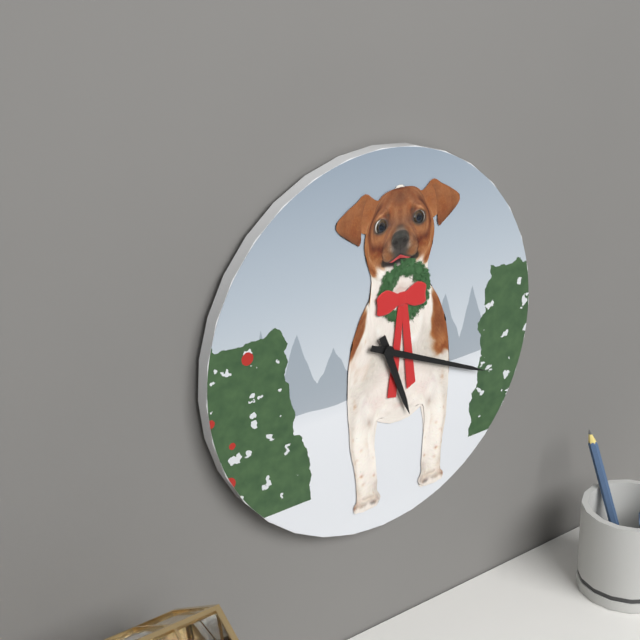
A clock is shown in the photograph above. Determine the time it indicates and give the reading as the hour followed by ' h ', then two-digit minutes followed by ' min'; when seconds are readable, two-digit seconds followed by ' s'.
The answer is 5 h 19 min
